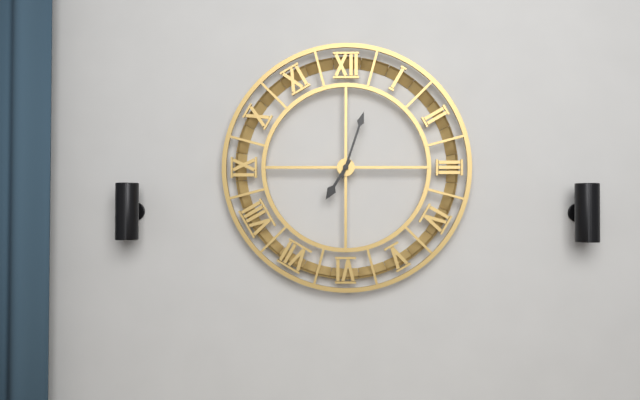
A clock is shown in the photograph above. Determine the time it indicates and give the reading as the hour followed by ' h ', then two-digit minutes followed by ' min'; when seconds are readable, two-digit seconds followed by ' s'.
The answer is 7 h 03 min
